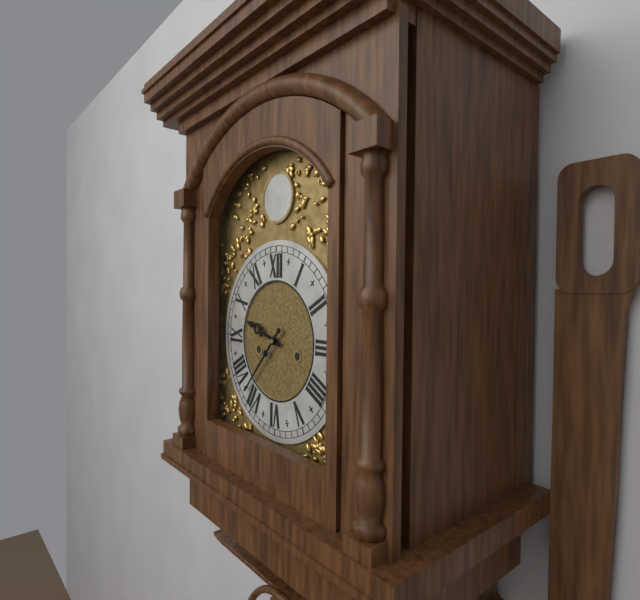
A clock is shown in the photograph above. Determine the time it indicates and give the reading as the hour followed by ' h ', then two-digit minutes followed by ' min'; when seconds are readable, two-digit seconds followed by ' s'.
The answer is 9 h 37 min
